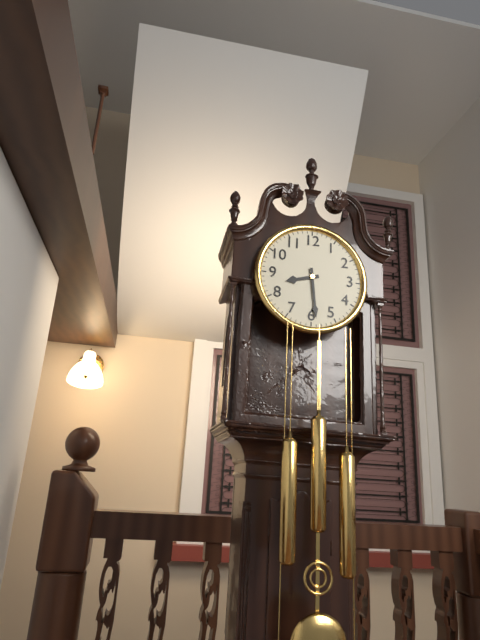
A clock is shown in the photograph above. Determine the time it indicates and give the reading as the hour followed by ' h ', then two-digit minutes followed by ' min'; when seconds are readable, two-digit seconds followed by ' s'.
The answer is 8 h 29 min
